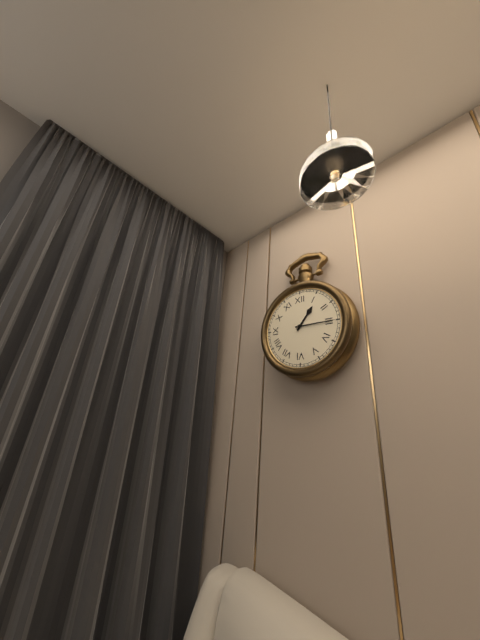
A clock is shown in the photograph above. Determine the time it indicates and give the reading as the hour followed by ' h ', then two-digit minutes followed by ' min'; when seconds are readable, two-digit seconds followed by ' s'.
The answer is 1 h 15 min
